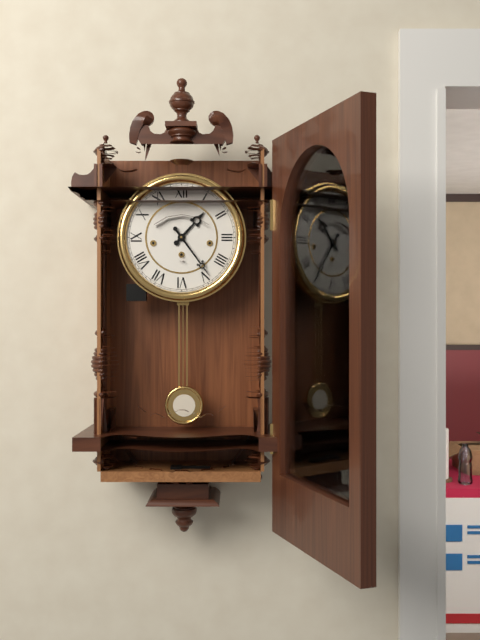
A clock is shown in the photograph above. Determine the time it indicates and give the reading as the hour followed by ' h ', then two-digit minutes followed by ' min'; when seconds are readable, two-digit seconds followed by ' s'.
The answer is 1 h 24 min
